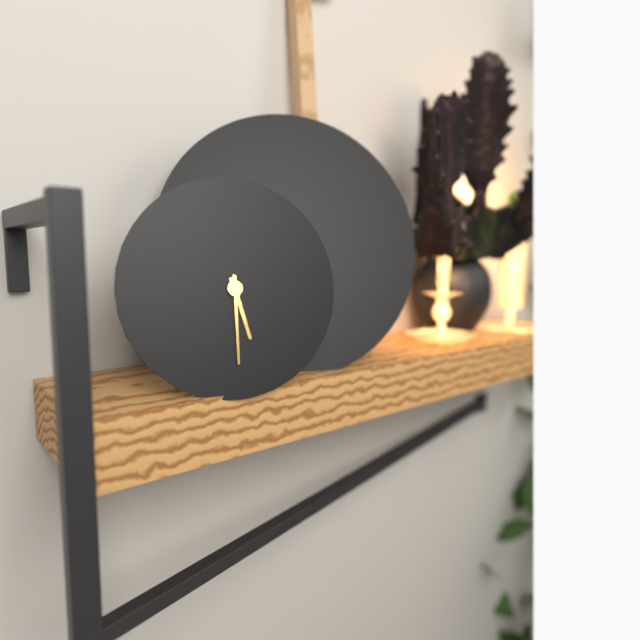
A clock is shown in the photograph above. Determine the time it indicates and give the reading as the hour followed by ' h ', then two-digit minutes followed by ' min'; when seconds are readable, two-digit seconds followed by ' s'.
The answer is 5 h 30 min
